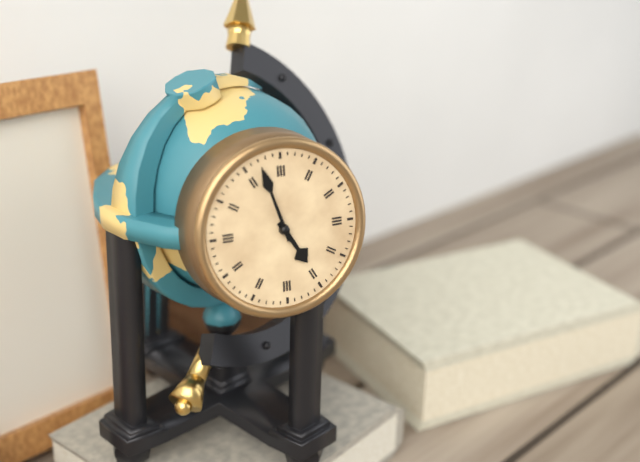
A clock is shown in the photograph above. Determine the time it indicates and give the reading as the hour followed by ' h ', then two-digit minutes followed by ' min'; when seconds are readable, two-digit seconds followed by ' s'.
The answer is 4 h 57 min
